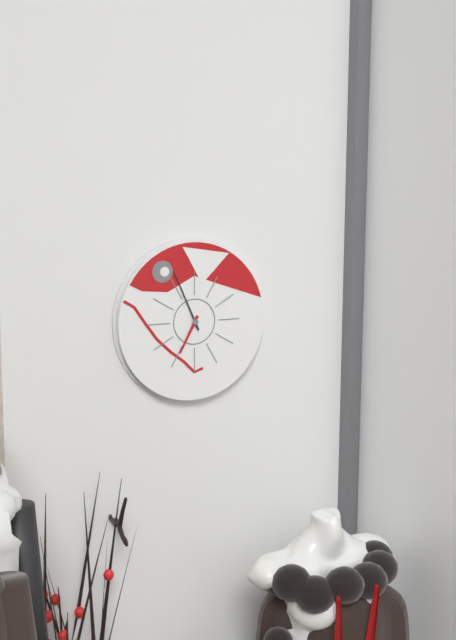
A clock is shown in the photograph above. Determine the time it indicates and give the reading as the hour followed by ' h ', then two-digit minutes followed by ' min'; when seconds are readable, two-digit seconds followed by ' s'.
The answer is 6 h 56 min
